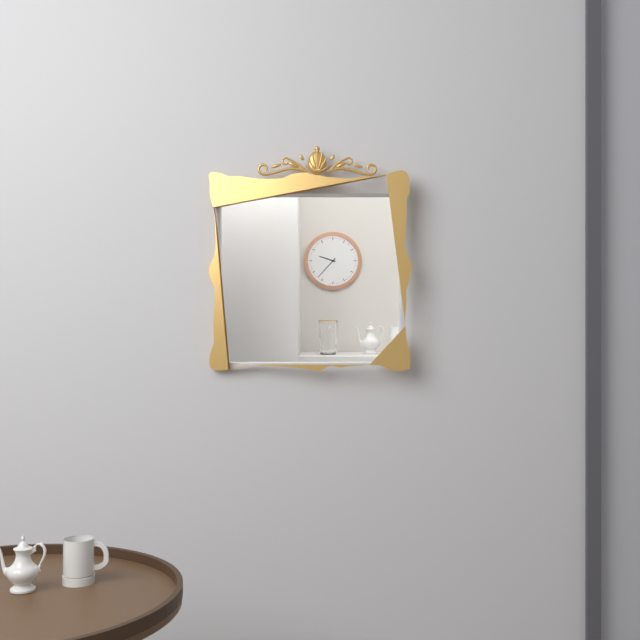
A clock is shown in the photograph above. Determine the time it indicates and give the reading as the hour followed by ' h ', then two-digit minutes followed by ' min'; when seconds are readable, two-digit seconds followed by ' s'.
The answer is 9 h 37 min
